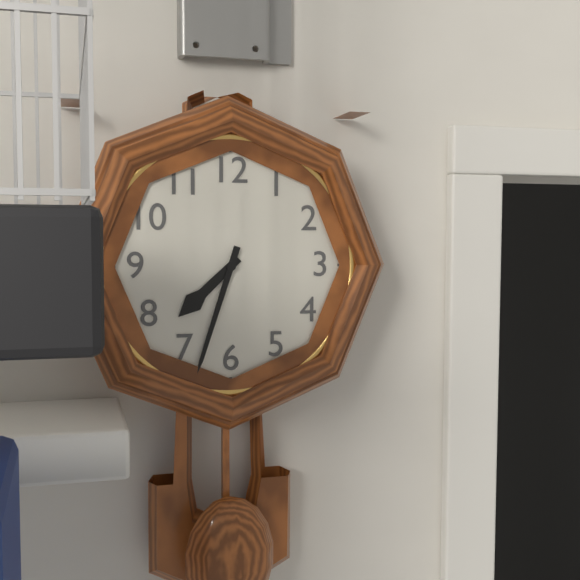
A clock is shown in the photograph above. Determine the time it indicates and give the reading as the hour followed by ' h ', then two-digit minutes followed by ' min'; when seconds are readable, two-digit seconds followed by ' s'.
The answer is 7 h 33 min
